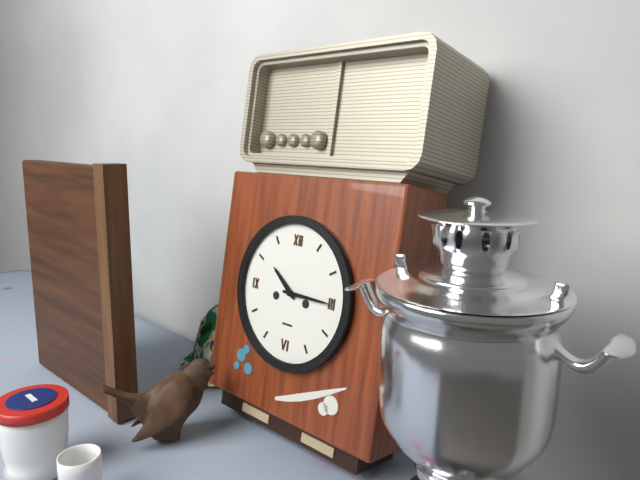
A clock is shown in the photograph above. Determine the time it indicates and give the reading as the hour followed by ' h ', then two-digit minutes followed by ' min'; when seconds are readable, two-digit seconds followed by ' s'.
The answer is 10 h 15 min
